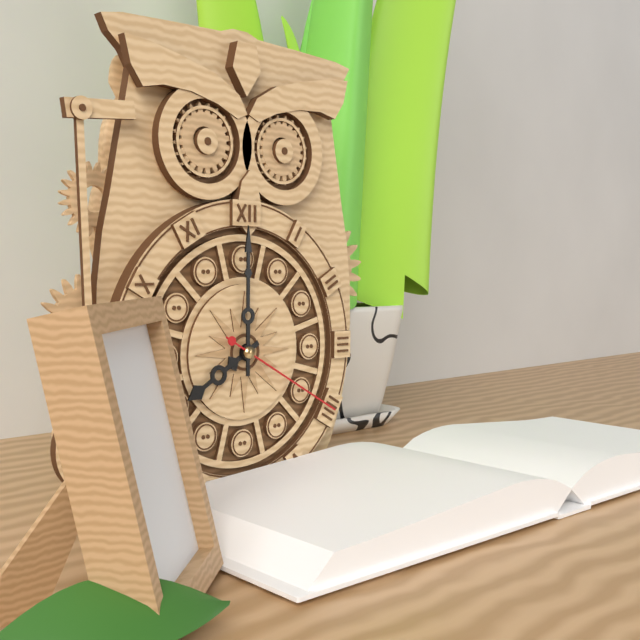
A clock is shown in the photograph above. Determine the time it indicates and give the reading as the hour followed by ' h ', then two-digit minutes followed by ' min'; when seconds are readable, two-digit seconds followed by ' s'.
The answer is 8 h 00 min 20 s
